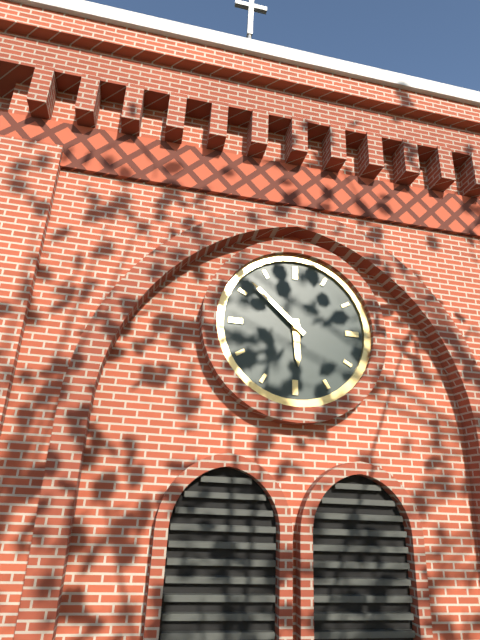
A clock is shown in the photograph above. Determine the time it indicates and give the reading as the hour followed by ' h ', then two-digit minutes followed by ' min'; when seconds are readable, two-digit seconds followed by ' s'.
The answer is 5 h 52 min
